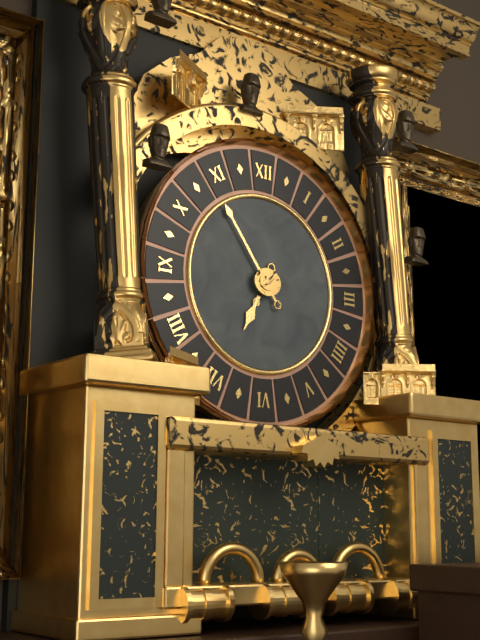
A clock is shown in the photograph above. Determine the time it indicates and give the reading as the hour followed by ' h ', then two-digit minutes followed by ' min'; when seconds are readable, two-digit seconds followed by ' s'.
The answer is 6 h 54 min
